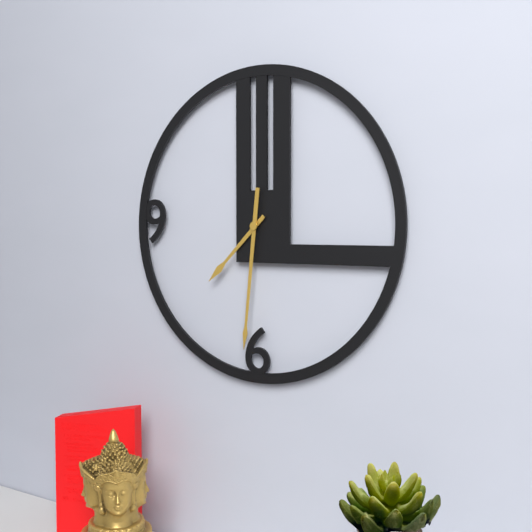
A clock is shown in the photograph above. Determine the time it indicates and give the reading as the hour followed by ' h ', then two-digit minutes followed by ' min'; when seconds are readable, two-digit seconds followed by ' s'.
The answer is 7 h 31 min
